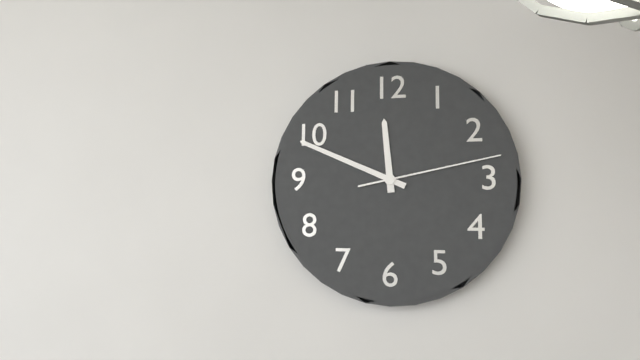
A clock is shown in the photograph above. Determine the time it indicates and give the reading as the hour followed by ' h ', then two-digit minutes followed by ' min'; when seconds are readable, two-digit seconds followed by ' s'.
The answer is 11 h 49 min 13 s
